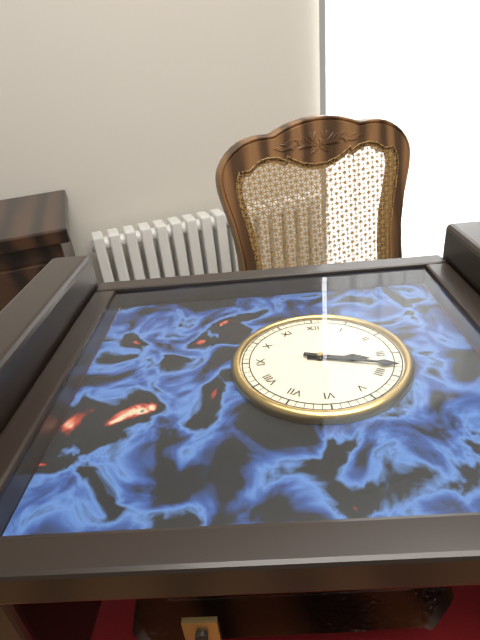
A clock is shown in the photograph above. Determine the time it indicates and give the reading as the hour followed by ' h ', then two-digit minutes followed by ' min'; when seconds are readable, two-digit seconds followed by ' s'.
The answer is 3 h 18 min
